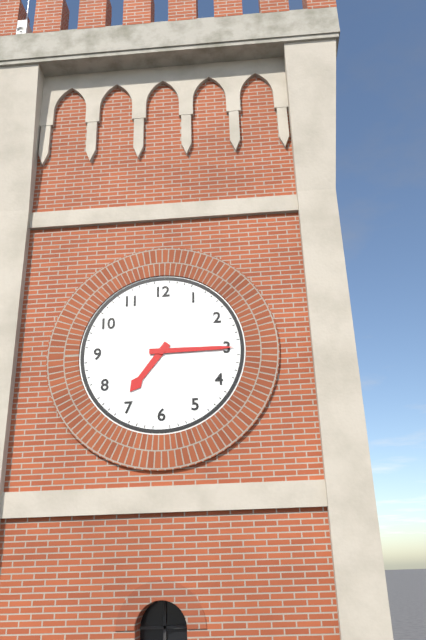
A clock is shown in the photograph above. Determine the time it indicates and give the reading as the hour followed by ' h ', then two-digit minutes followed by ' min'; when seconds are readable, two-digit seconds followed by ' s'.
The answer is 7 h 15 min
